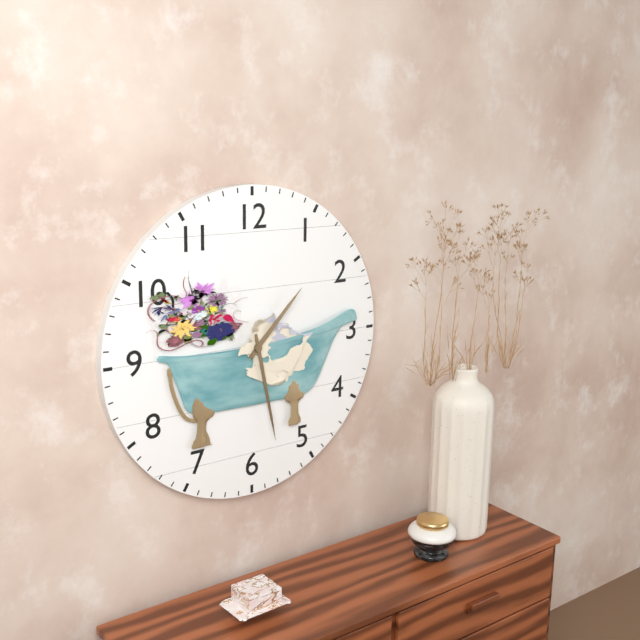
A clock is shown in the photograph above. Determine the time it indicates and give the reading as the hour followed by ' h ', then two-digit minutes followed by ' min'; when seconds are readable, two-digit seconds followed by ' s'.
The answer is 1 h 28 min
